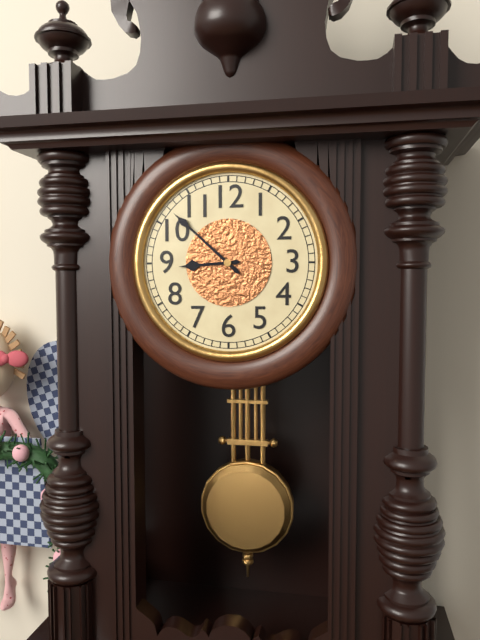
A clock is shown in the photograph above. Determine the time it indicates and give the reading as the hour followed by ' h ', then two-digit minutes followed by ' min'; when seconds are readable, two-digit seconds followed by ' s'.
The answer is 8 h 52 min
